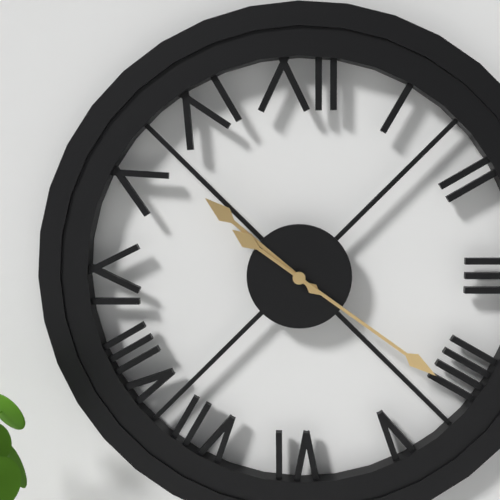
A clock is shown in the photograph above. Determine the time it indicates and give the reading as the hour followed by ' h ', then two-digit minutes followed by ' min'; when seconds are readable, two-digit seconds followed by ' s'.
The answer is 10 h 21 min
